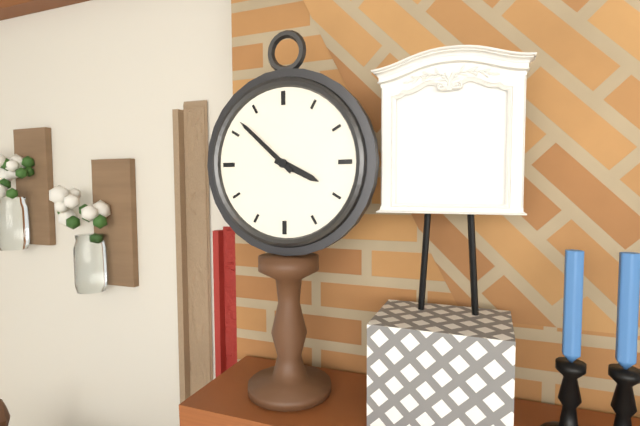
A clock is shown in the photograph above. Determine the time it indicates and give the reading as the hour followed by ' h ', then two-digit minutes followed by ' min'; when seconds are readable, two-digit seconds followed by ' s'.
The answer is 3 h 52 min
